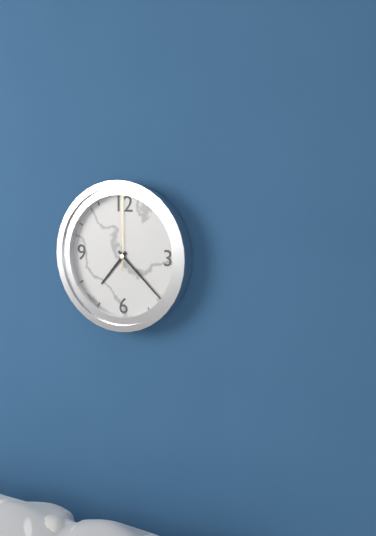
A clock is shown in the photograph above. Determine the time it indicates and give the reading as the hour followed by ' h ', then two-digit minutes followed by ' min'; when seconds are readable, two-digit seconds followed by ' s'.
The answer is 7 h 22 min 00 s
